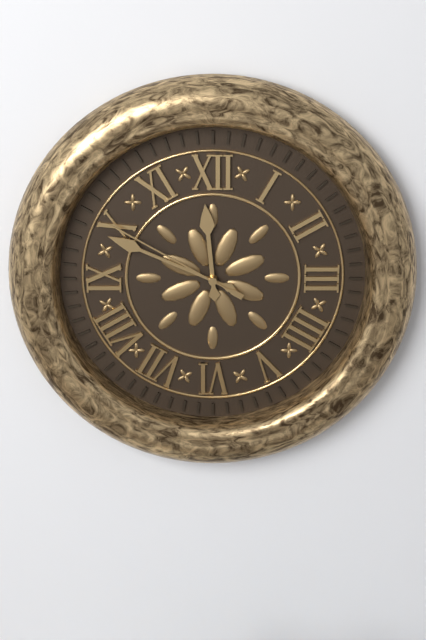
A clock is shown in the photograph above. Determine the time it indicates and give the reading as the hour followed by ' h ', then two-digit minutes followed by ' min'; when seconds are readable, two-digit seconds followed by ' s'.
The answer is 11 h 49 min 50 s
